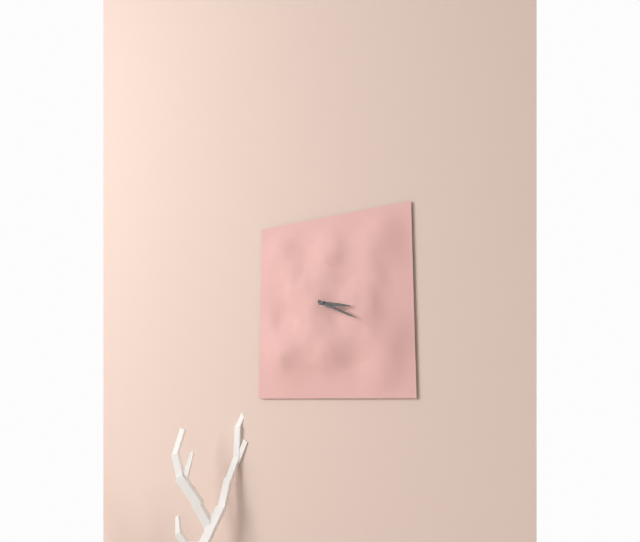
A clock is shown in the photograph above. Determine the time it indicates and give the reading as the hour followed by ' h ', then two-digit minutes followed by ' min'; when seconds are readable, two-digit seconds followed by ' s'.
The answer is 3 h 19 min
